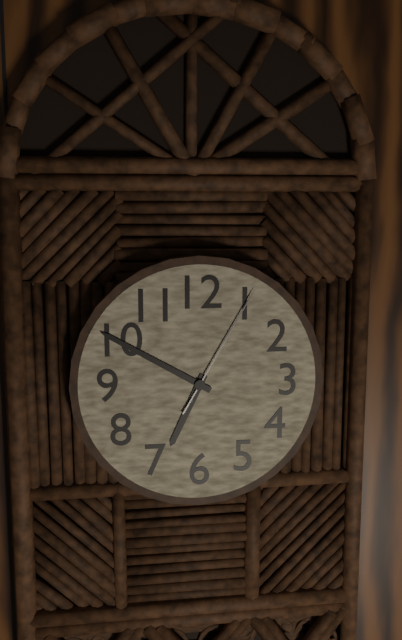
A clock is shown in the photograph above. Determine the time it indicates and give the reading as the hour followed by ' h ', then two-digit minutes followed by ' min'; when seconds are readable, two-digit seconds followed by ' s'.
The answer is 6 h 50 min 05 s
